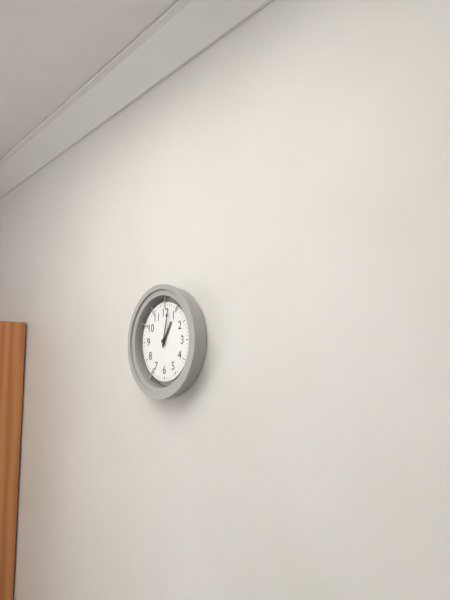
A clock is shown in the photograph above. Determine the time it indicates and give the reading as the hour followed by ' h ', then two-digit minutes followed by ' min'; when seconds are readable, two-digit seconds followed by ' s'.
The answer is 1 h 02 min
